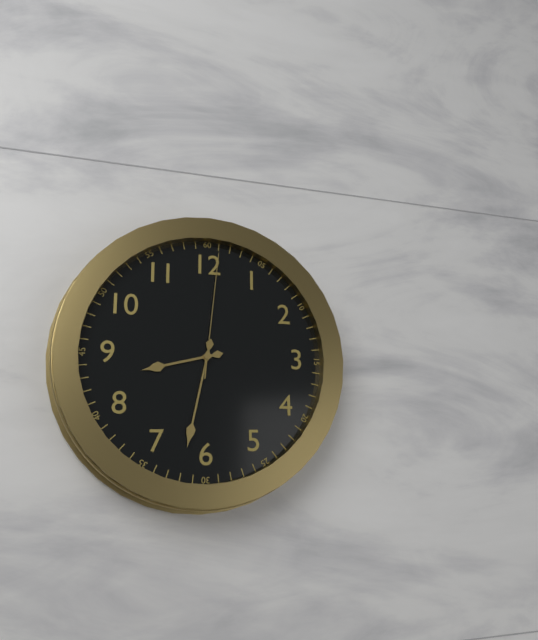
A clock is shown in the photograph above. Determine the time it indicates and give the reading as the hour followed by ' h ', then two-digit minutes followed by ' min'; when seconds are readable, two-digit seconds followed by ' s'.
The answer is 8 h 32 min 01 s
